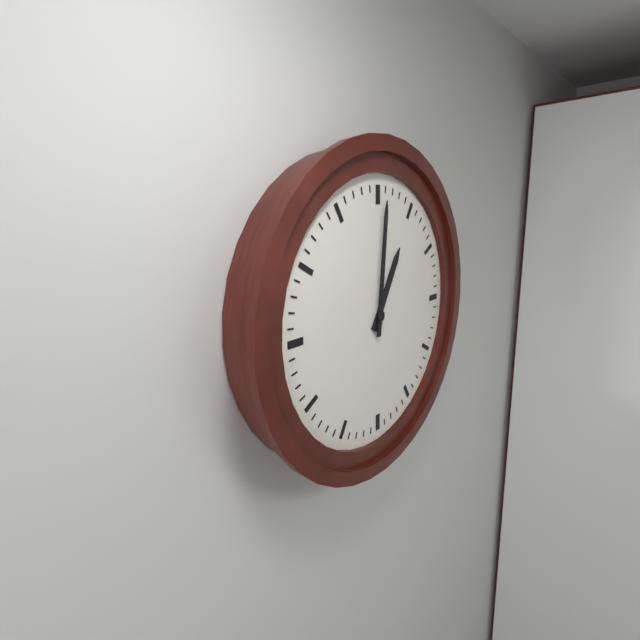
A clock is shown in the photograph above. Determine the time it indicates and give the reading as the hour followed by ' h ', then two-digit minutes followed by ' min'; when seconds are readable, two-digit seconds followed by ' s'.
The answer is 1 h 01 min
